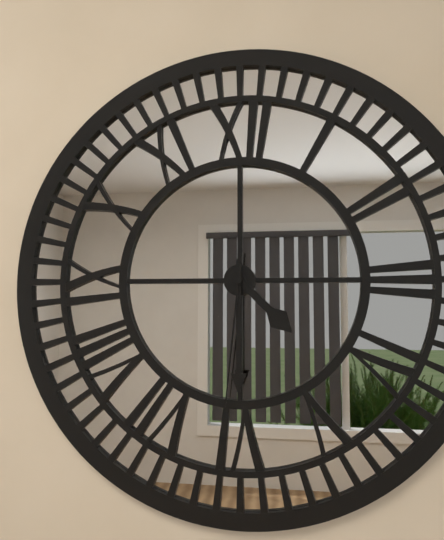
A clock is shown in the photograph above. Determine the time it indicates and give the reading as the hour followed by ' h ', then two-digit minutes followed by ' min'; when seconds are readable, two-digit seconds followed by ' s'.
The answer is 4 h 30 min 31 s
